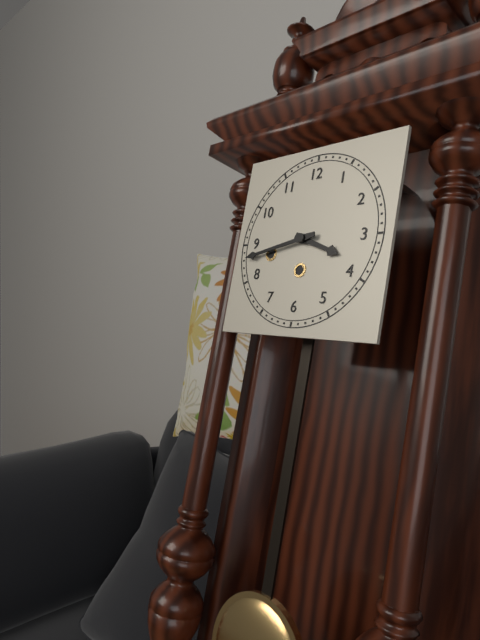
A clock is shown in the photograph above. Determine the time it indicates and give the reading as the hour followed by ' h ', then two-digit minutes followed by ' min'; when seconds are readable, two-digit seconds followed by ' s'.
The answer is 3 h 43 min
